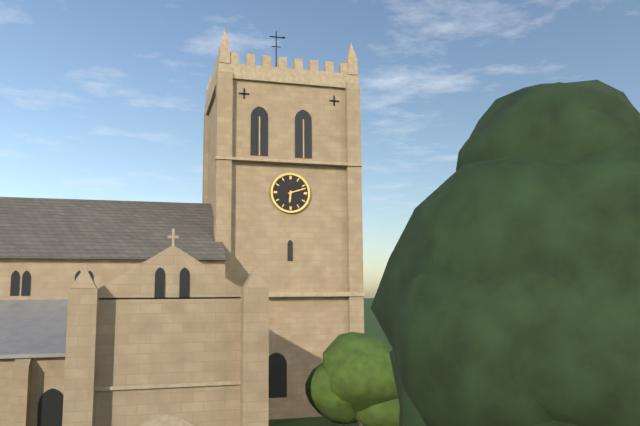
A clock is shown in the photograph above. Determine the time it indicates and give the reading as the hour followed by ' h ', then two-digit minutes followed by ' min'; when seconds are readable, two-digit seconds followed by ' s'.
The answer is 6 h 12 min
